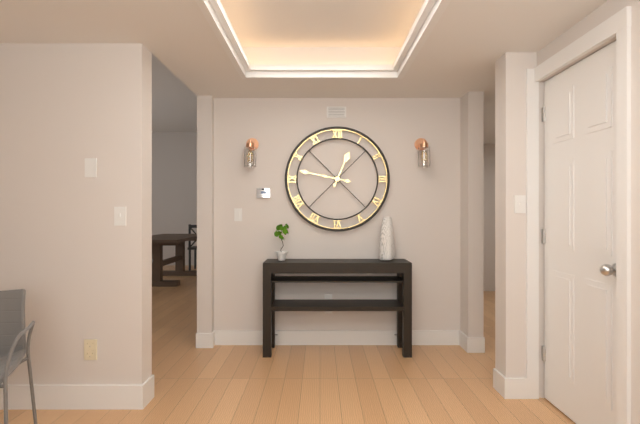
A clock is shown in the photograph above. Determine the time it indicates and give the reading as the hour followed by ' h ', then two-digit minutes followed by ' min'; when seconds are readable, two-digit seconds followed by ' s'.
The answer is 12 h 47 min
